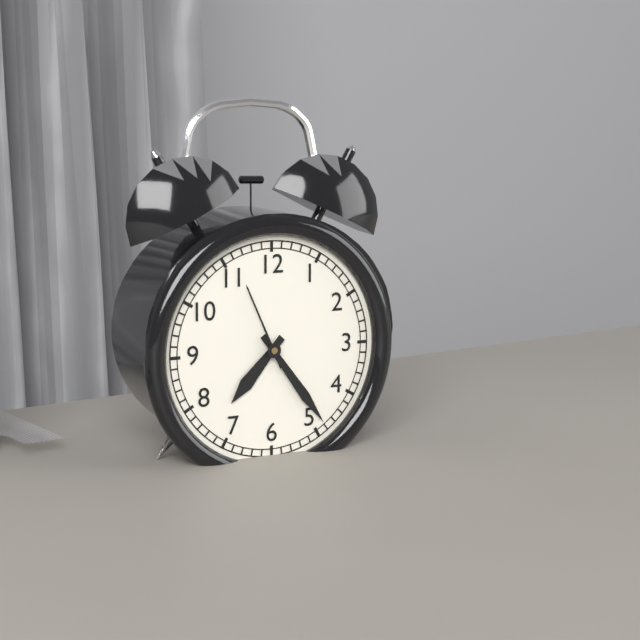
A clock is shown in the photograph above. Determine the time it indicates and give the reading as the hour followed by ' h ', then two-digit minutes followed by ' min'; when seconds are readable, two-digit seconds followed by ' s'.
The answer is 7 h 24 min 56 s
